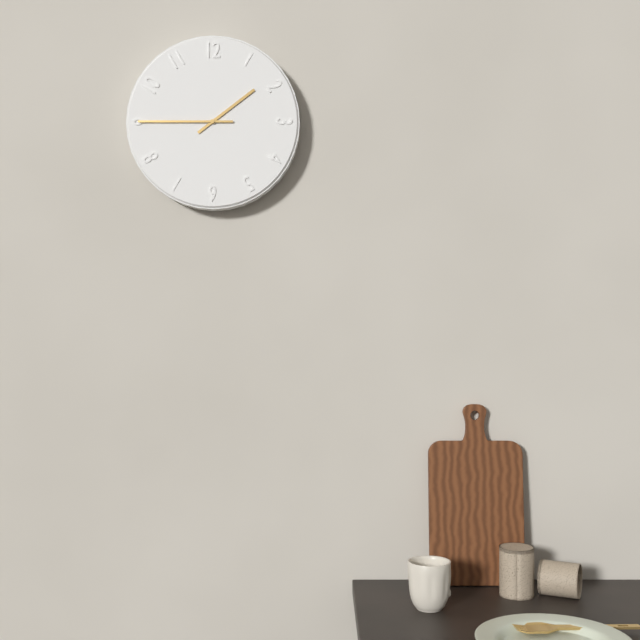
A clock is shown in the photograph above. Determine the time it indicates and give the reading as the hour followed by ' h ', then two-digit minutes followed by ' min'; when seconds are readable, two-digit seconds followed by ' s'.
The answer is 1 h 45 min
